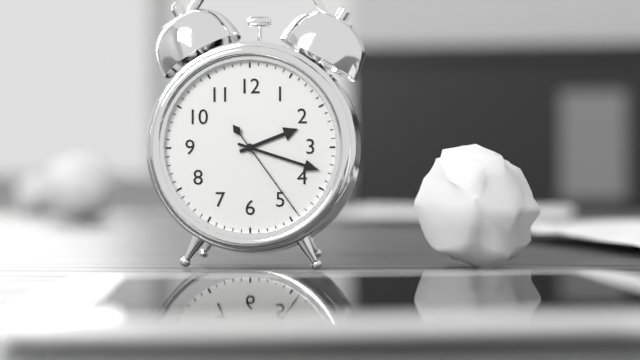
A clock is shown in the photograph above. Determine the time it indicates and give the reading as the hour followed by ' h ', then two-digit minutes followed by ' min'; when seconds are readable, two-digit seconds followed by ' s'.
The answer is 2 h 18 min 24 s
